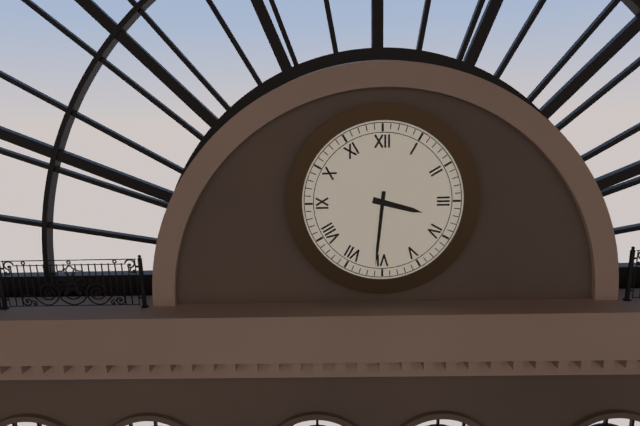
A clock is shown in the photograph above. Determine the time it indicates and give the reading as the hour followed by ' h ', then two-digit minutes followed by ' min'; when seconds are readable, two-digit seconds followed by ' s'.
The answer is 3 h 31 min
